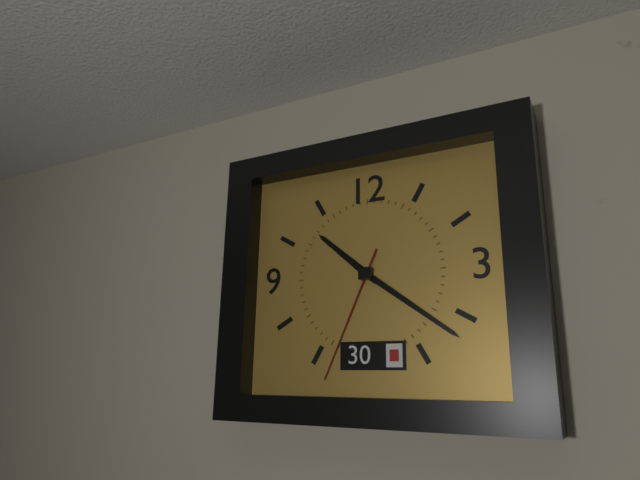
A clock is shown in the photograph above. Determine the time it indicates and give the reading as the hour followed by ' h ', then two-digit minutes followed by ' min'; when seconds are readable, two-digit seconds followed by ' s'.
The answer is 10 h 21 min 34 s
